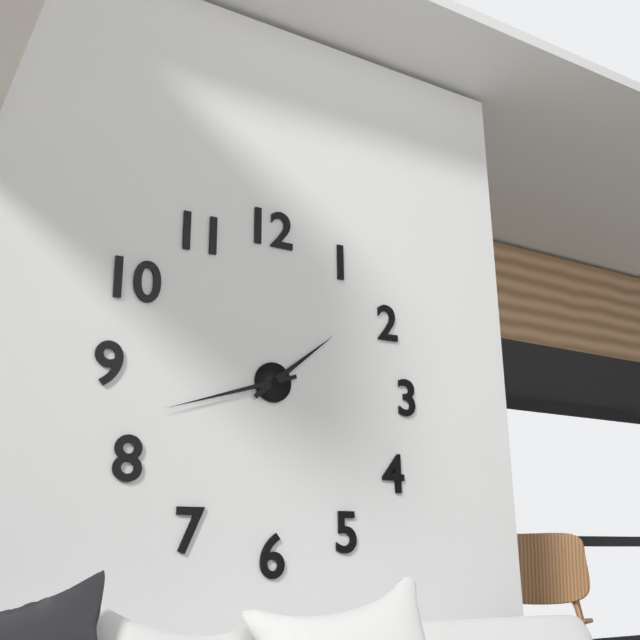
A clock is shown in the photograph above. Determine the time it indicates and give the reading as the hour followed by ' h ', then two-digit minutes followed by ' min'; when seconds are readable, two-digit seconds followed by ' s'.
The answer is 1 h 42 min
